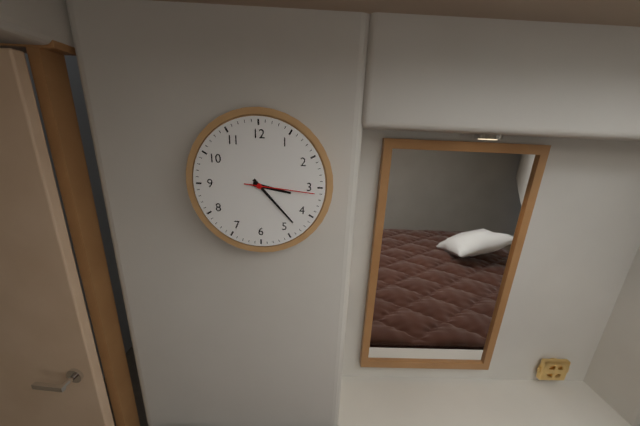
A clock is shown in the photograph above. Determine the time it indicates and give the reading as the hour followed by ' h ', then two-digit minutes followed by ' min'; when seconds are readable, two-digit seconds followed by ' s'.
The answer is 3 h 23 min 16 s
